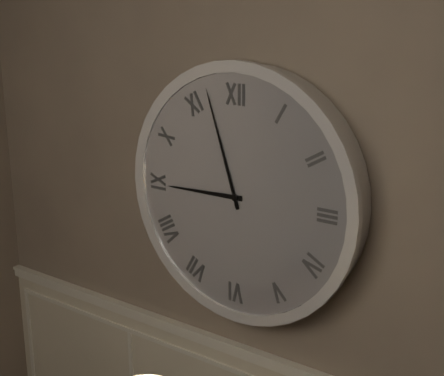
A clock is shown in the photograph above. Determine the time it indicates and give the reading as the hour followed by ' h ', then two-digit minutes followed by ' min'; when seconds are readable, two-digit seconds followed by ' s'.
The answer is 8 h 57 min
